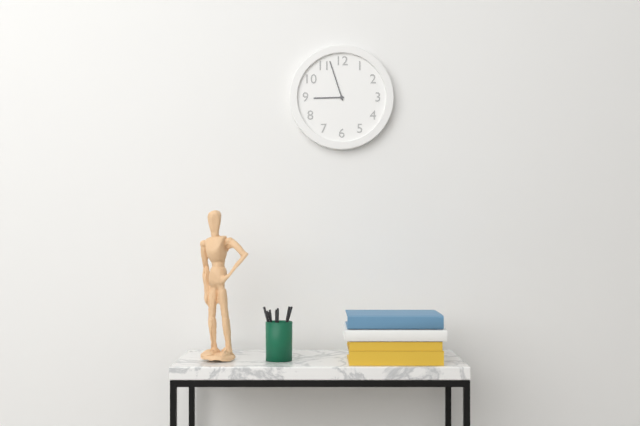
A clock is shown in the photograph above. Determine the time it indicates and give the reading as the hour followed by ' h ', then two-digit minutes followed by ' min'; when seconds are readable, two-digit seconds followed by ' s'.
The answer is 8 h 57 min
